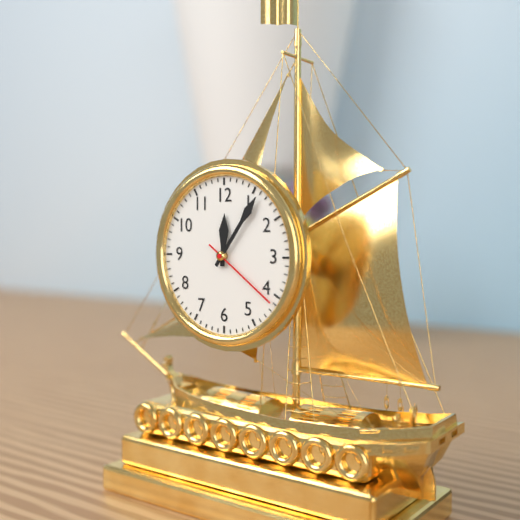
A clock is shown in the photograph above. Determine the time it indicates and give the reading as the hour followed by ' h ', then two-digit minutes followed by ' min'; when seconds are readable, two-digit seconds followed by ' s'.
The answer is 12 h 06 min 21 s
